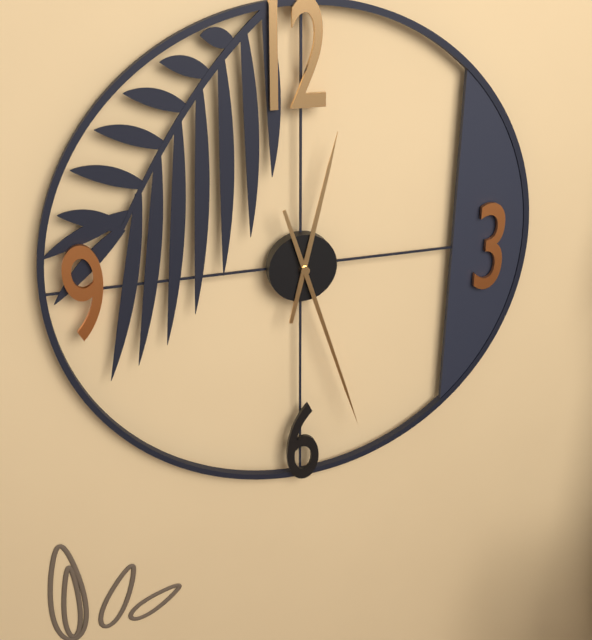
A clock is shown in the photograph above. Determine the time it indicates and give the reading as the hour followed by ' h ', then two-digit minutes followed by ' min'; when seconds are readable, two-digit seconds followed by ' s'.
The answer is 12 h 27 min
